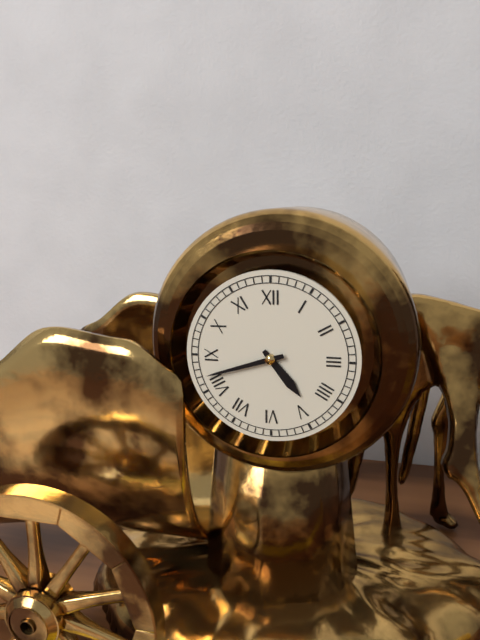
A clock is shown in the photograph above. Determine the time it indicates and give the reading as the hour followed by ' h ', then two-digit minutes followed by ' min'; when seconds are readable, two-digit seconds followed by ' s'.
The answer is 4 h 42 min
